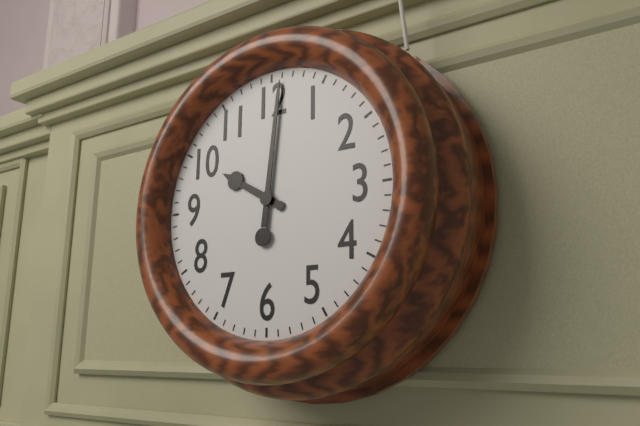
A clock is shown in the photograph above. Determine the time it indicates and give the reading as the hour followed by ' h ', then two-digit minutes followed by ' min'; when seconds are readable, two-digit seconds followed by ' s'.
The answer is 10 h 01 min
